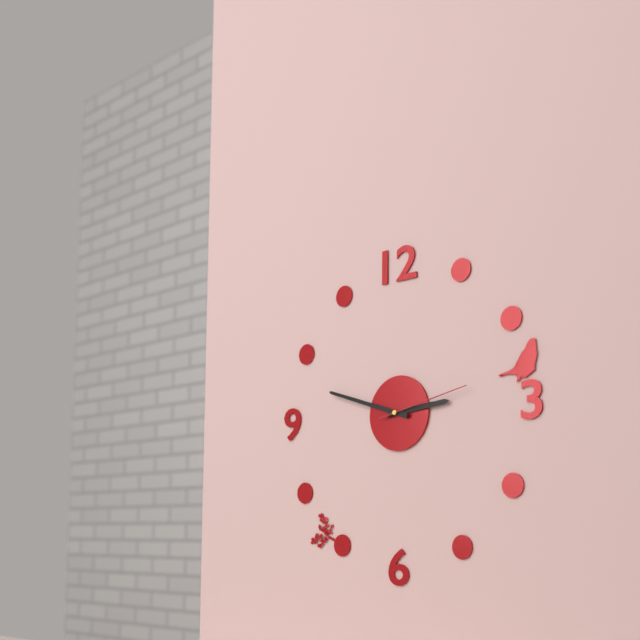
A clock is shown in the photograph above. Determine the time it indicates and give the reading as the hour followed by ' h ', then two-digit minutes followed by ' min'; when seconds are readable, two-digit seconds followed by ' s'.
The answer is 2 h 48 min 13 s
